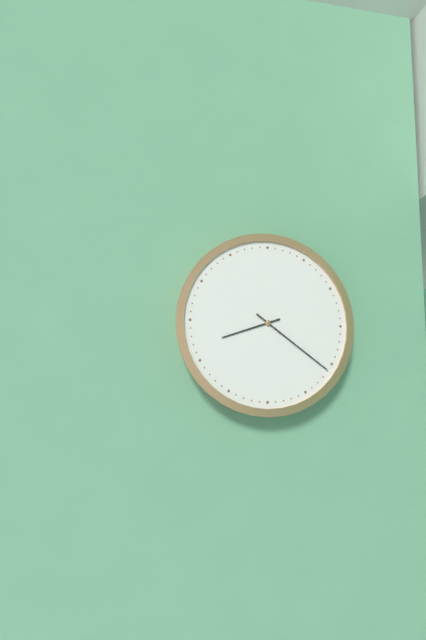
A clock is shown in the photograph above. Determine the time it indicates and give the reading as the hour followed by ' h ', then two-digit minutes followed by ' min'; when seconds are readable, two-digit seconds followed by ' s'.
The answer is 8 h 21 min
